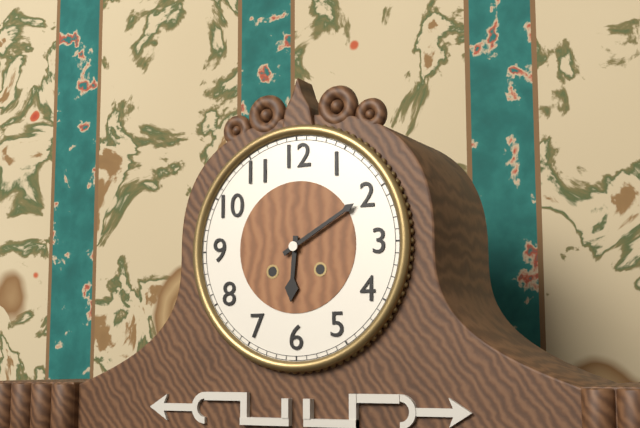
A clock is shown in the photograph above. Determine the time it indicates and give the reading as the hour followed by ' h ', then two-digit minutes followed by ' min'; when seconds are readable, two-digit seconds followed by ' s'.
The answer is 6 h 10 min
